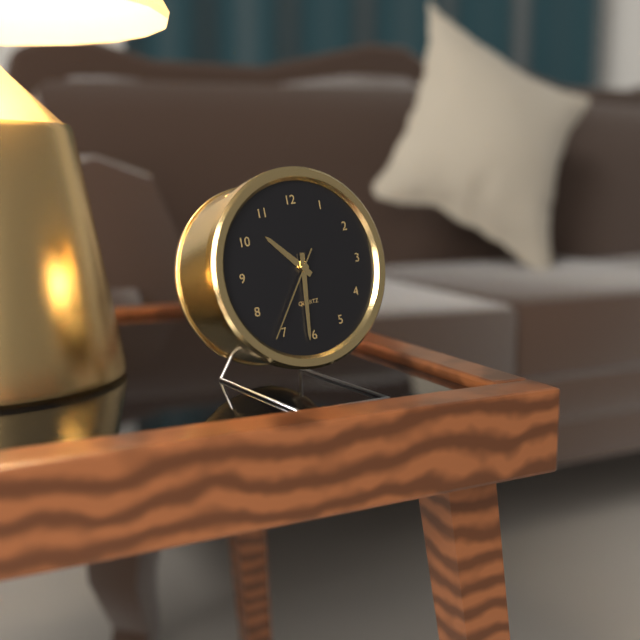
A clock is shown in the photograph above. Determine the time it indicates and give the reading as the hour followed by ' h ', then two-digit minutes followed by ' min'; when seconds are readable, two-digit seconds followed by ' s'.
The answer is 10 h 31 min 36 s
